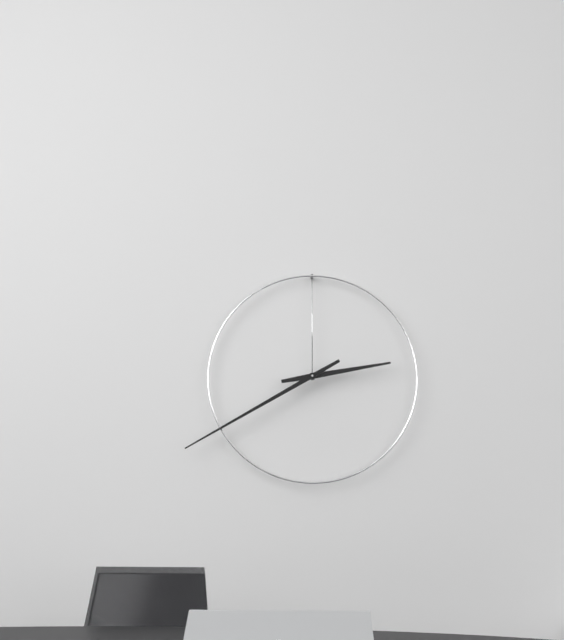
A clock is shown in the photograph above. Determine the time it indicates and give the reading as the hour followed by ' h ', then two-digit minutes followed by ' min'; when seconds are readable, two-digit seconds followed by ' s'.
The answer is 2 h 40 min
